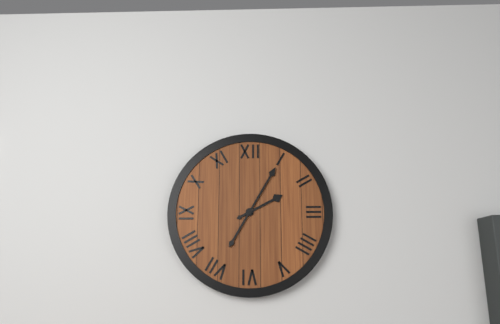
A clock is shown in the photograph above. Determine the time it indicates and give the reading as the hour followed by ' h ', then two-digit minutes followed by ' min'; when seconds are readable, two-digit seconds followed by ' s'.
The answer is 2 h 05 min
